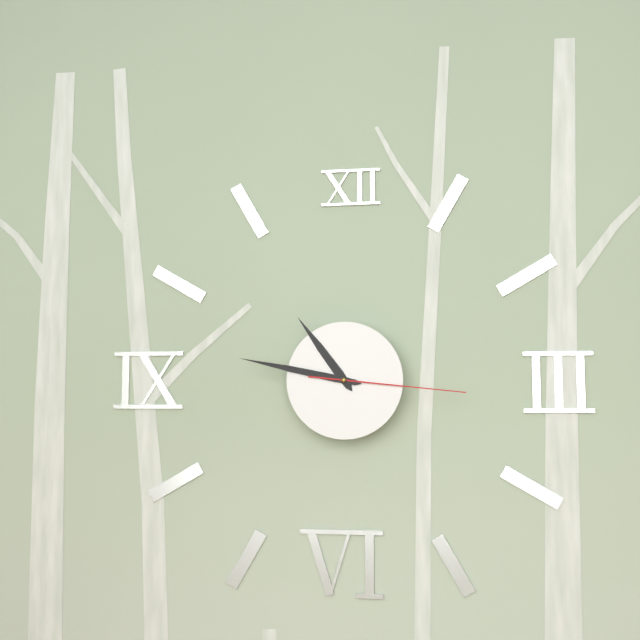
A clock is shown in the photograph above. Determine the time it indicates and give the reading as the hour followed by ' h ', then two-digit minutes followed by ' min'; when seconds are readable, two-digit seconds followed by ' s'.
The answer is 10 h 47 min 16 s
